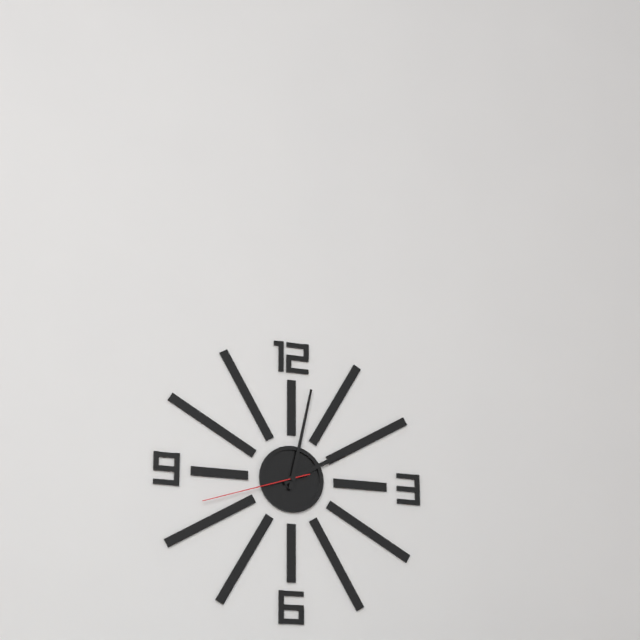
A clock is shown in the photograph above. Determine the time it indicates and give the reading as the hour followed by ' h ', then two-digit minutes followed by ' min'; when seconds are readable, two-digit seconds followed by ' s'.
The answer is 2 h 02 min 42 s
